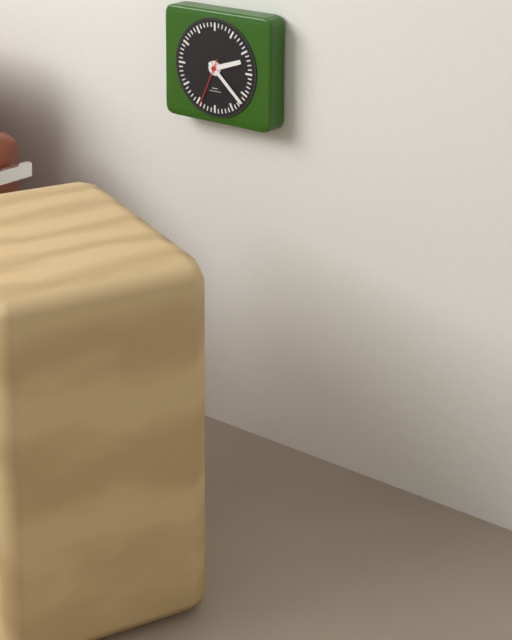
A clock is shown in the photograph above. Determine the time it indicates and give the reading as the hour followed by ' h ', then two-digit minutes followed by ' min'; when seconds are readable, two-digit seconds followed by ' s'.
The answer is 2 h 22 min
